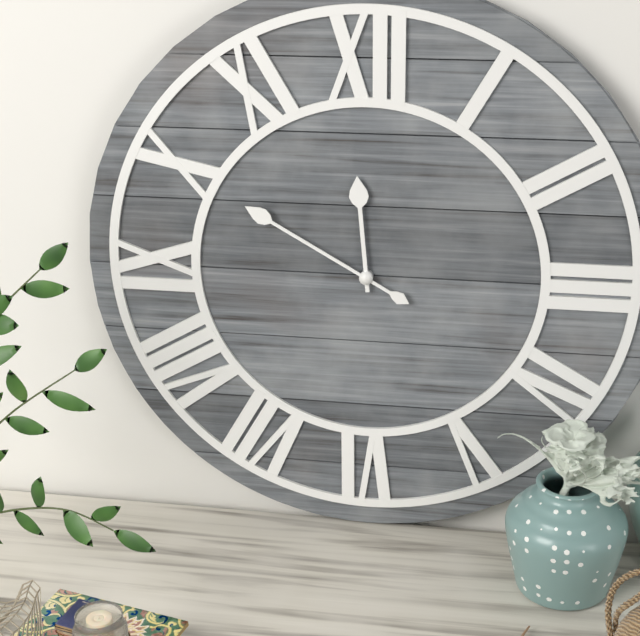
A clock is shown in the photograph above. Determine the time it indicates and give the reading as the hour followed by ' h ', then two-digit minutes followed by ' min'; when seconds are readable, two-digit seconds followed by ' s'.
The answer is 11 h 50 min
